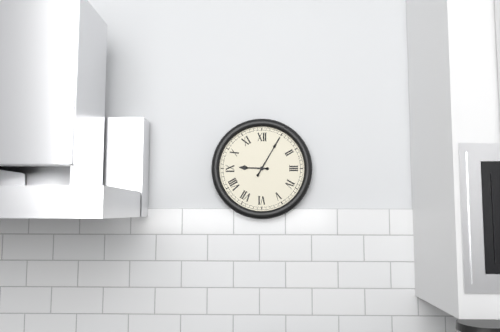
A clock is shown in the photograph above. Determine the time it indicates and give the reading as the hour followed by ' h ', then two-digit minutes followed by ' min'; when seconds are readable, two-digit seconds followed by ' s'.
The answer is 9 h 05 min
